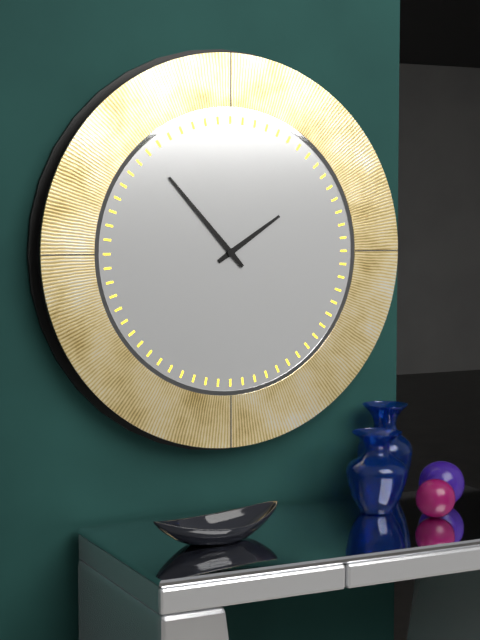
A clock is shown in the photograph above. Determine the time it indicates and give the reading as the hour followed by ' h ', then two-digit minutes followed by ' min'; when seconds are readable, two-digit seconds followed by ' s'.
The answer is 1 h 53 min
